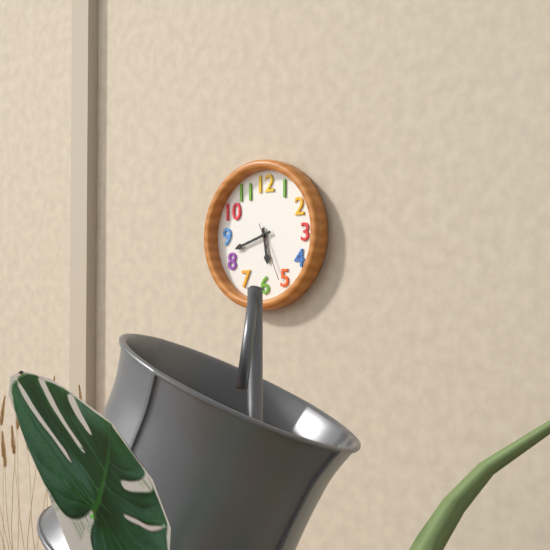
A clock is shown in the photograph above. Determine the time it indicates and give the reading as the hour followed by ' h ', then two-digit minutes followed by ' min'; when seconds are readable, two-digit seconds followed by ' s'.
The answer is 5 h 42 min 26 s
